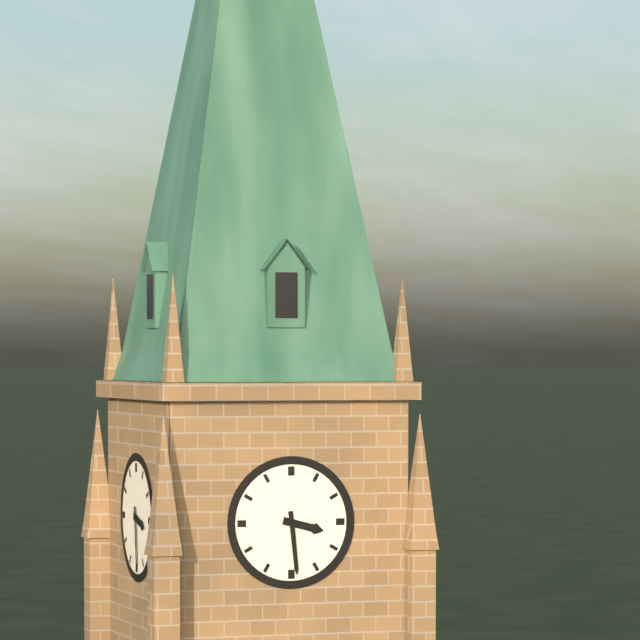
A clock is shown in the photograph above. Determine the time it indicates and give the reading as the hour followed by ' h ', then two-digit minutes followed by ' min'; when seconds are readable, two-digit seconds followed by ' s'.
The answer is 3 h 29 min
